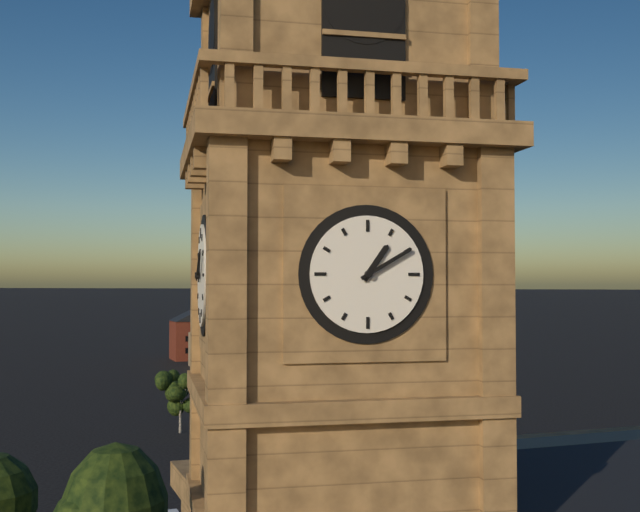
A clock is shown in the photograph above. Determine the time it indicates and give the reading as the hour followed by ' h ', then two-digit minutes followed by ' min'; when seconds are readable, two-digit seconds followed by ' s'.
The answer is 1 h 10 min
